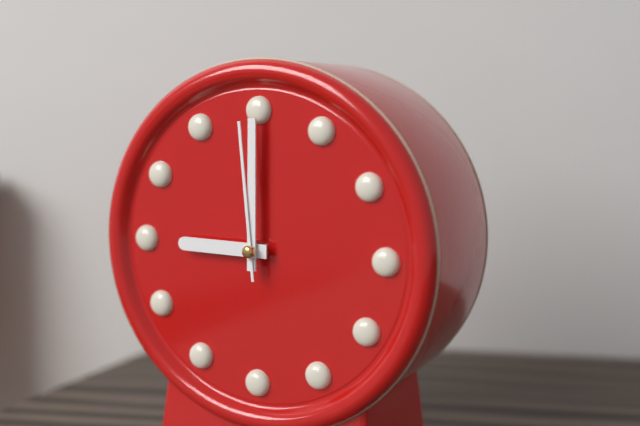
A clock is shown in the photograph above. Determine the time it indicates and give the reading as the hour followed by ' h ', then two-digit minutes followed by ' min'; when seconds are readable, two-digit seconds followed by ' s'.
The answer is 9 h 00 min 59 s
